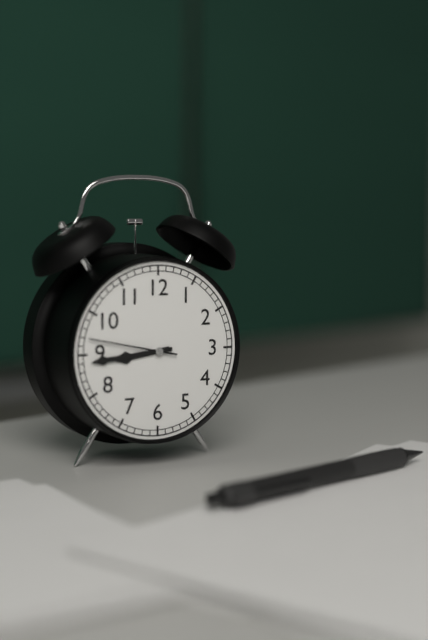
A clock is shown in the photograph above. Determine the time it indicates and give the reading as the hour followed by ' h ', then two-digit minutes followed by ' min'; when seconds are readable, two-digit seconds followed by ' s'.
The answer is 8 h 44 min 47 s
